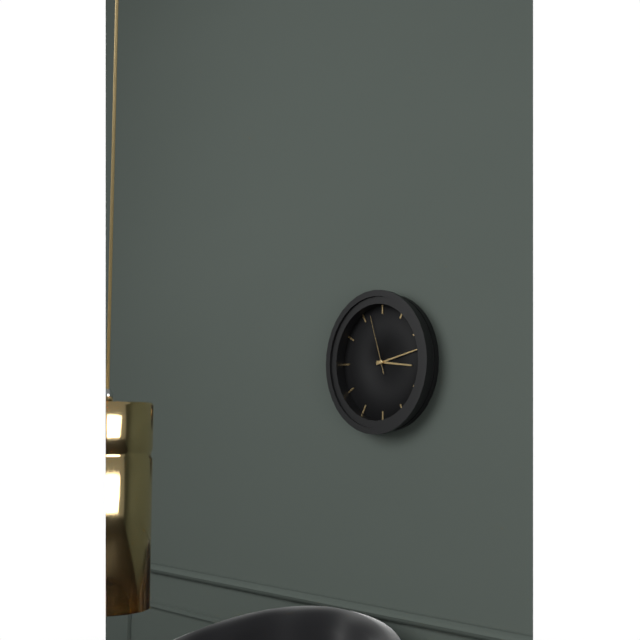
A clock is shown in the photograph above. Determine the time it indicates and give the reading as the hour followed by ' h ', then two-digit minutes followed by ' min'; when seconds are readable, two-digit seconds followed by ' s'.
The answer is 3 h 13 min 57 s
